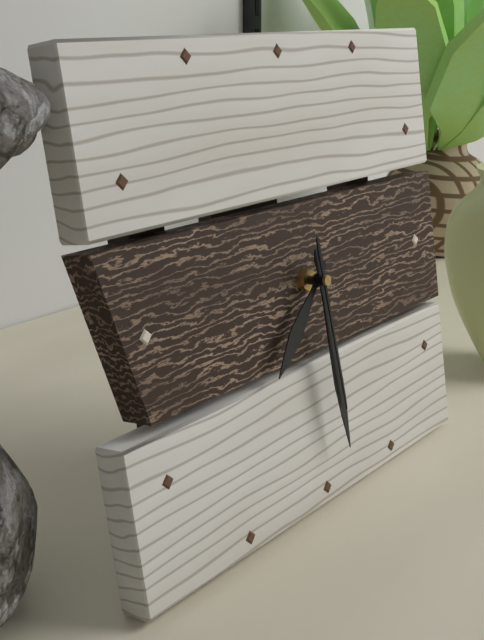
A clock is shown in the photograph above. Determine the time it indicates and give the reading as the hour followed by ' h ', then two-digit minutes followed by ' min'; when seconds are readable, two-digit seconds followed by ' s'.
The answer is 7 h 29 min 29 s
